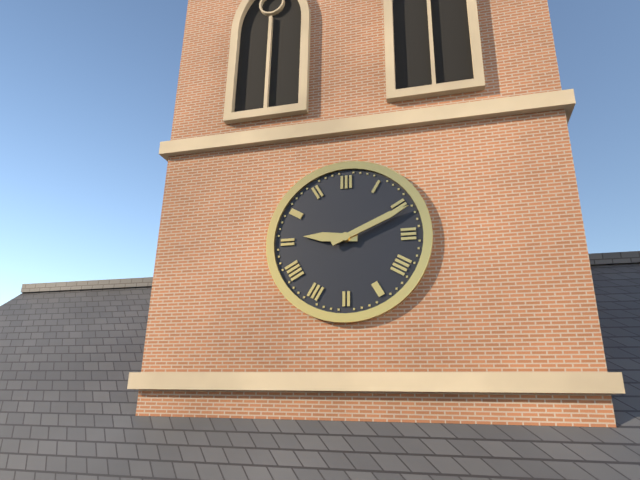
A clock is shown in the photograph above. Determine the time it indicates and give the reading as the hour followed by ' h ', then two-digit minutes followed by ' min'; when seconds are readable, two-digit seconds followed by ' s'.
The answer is 9 h 11 min
